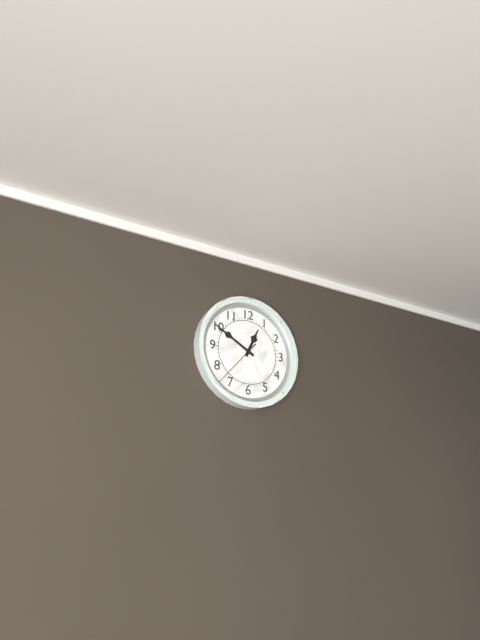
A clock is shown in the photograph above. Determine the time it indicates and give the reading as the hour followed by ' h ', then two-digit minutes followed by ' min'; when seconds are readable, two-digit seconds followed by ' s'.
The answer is 12 h 50 min
